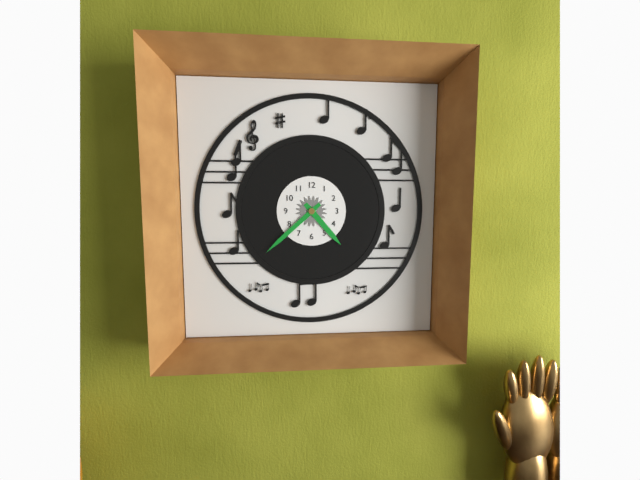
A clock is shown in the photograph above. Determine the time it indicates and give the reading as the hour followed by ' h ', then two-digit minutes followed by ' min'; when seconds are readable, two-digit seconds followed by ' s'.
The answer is 4 h 38 min
